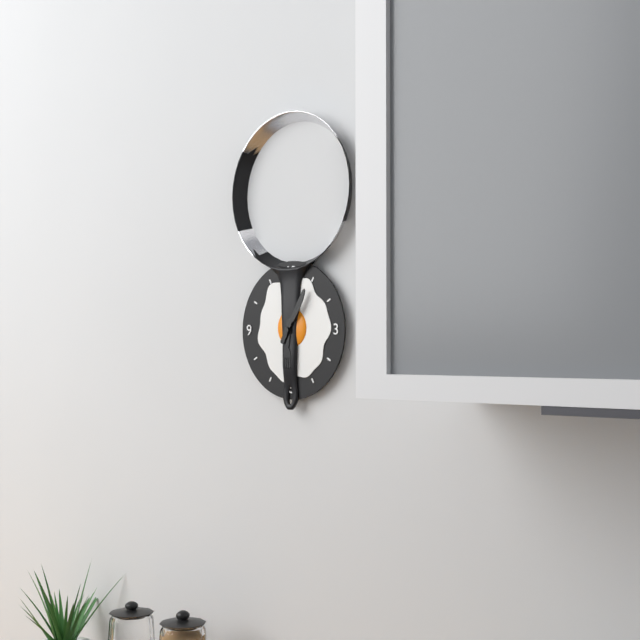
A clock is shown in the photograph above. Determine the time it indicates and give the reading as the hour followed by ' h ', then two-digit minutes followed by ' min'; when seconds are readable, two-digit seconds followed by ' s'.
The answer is 6 h 05 min
